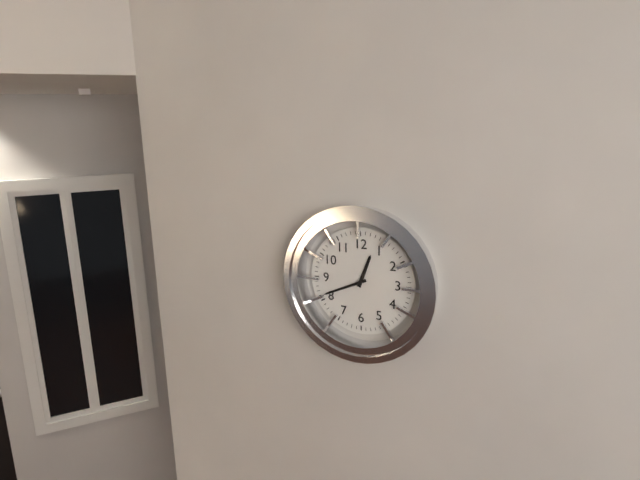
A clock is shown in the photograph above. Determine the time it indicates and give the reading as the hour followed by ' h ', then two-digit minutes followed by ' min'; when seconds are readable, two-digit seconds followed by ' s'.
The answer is 12 h 41 min
